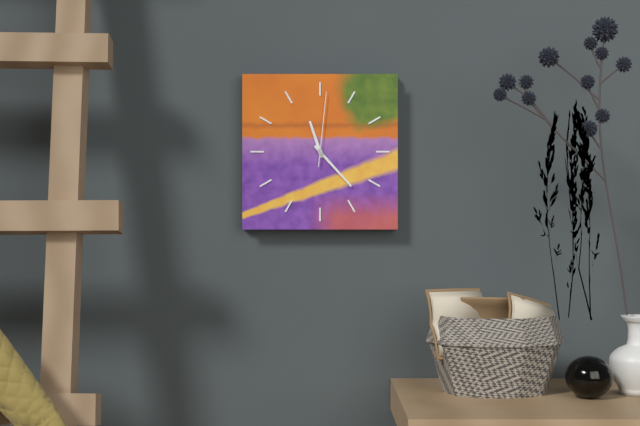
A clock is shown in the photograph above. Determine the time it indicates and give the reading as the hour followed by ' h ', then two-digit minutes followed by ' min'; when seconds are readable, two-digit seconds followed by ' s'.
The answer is 11 h 23 min 01 s
